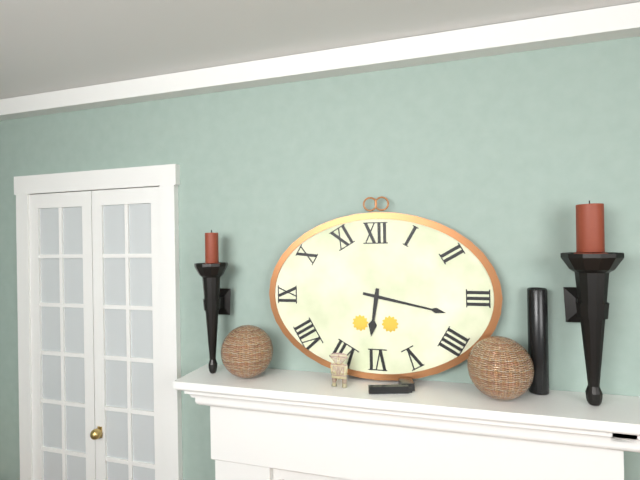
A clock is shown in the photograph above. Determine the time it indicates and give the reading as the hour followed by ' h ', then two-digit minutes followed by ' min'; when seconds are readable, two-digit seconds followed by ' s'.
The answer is 6 h 17 min
